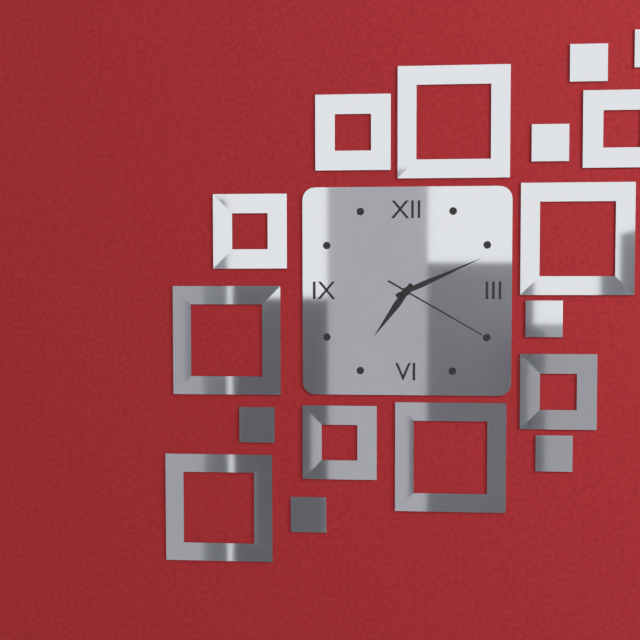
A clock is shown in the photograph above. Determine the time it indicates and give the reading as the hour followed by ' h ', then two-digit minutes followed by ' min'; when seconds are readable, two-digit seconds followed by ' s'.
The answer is 7 h 11 min 20 s
